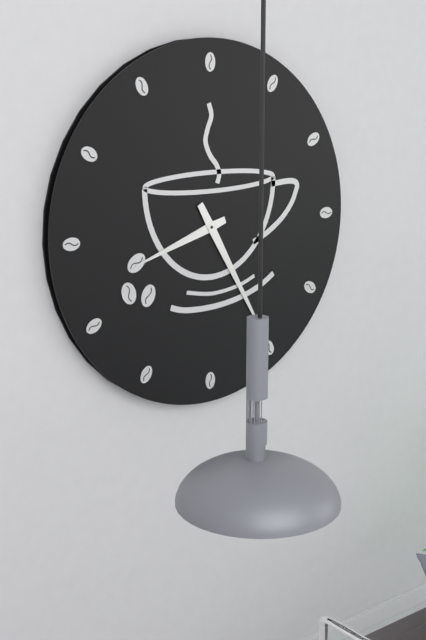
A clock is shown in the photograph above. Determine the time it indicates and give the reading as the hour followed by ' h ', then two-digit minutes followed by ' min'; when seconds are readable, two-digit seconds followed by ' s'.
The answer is 8 h 25 min
